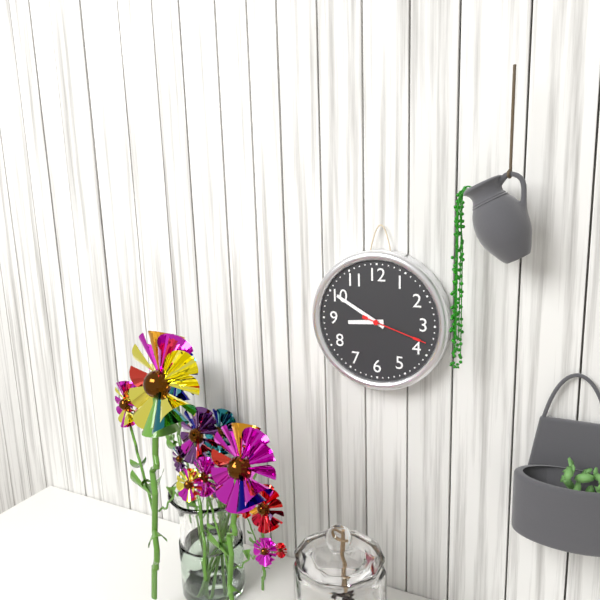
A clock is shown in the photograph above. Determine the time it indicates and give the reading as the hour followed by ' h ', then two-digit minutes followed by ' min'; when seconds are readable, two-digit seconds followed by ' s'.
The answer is 8 h 50 min 18 s
